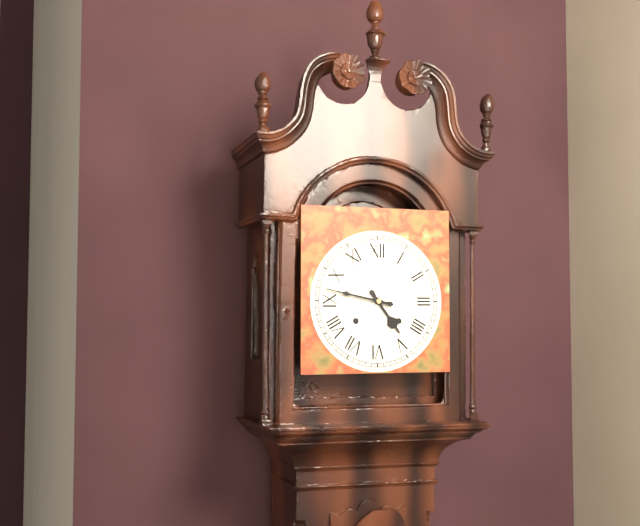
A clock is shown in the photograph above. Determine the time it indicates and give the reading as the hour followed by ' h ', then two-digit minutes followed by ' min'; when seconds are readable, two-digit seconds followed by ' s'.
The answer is 4 h 47 min
